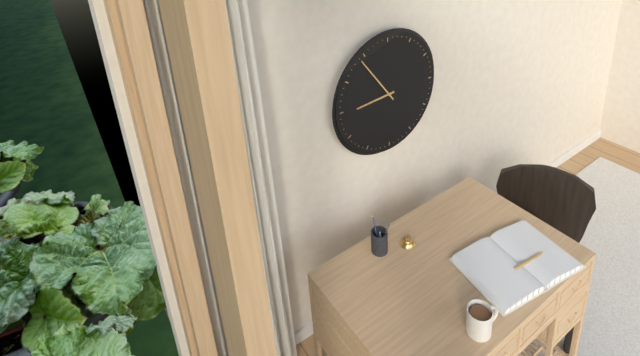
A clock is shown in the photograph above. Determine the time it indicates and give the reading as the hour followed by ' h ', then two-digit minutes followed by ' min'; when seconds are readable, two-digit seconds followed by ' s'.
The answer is 8 h 54 min
